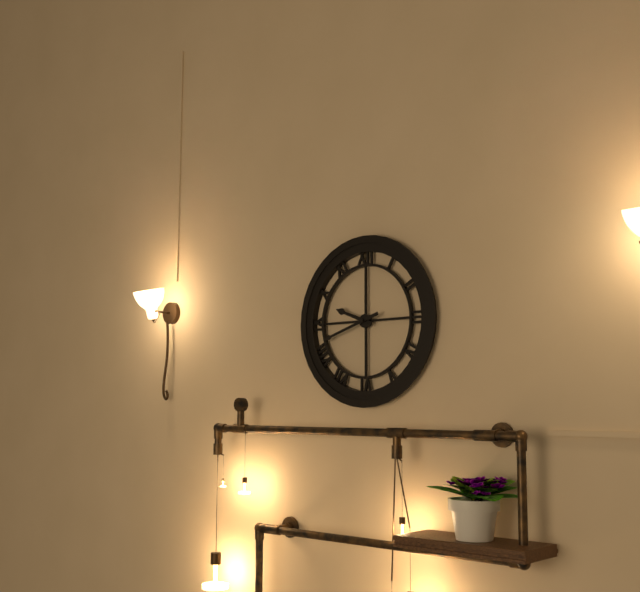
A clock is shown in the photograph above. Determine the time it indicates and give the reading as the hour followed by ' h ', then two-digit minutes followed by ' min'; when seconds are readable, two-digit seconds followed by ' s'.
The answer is 9 h 42 min
